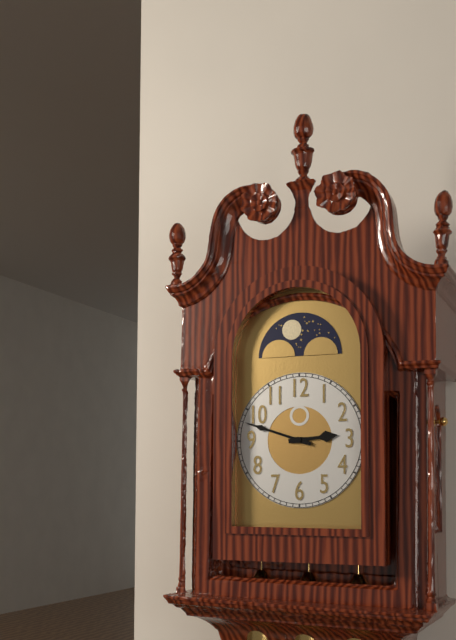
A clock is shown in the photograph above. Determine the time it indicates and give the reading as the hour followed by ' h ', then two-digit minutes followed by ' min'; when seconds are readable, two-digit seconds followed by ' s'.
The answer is 2 h 48 min
